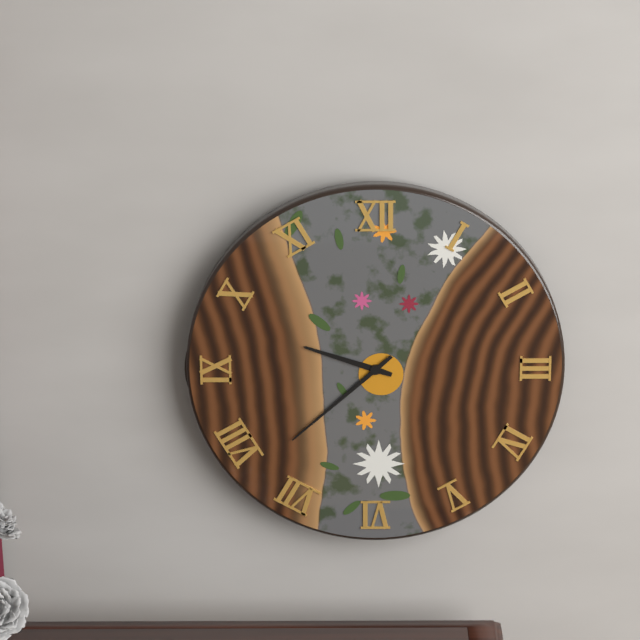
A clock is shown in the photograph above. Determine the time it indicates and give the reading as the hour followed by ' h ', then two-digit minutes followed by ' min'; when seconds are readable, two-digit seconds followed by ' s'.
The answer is 9 h 38 min
